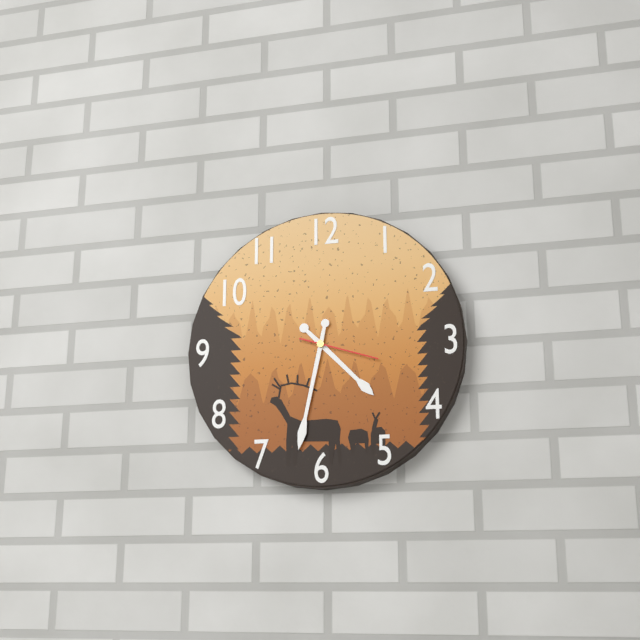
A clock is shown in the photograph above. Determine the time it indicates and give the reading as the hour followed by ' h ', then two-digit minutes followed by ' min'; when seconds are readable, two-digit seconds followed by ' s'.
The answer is 4 h 32 min 18 s
